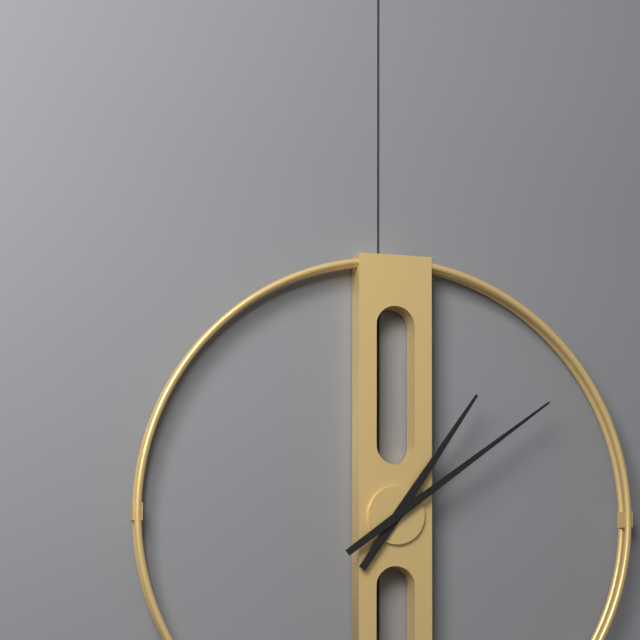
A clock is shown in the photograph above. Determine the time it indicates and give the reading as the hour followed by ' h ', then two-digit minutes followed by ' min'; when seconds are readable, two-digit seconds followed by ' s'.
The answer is 1 h 09 min
